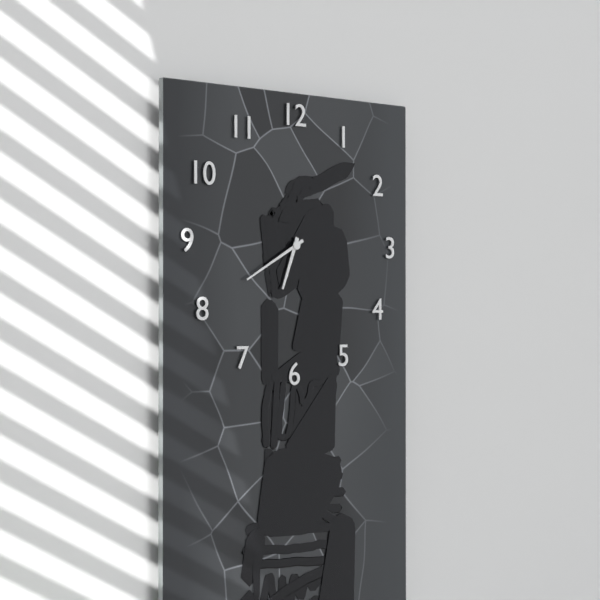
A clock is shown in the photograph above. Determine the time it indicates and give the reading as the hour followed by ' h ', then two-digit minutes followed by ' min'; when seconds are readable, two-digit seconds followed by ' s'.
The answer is 6 h 40 min
